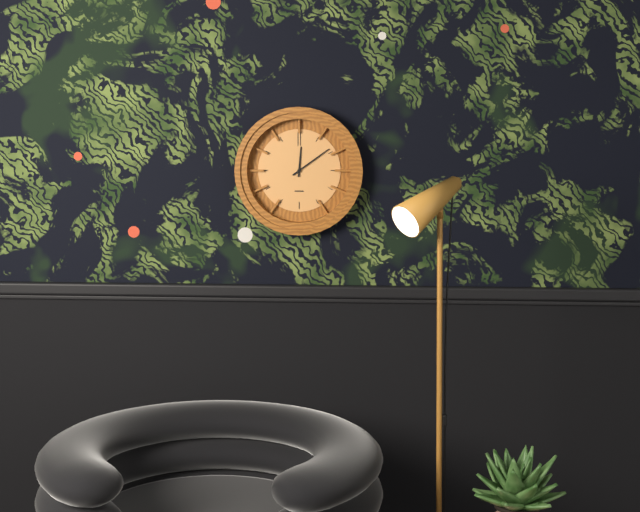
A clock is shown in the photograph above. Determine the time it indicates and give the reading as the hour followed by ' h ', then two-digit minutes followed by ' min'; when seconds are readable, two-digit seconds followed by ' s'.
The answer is 12 h 09 min
